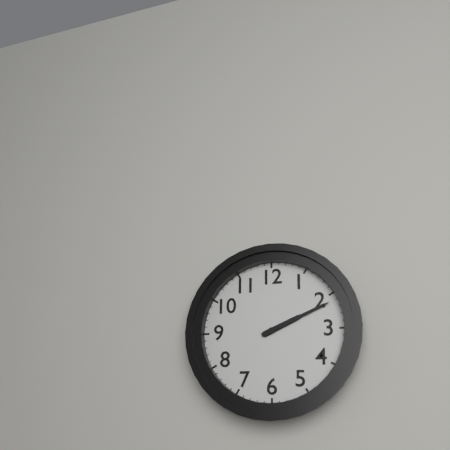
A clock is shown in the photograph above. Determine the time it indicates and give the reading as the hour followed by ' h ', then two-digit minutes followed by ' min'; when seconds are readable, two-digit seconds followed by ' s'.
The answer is 2 h 11 min
